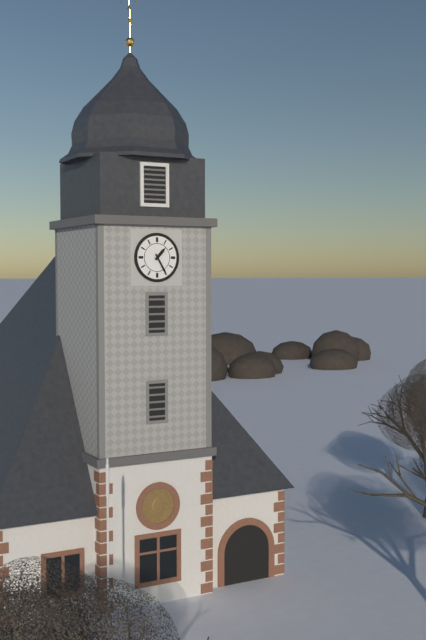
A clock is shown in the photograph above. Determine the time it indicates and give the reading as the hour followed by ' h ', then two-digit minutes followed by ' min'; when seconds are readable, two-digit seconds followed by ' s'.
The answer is 1 h 25 min
